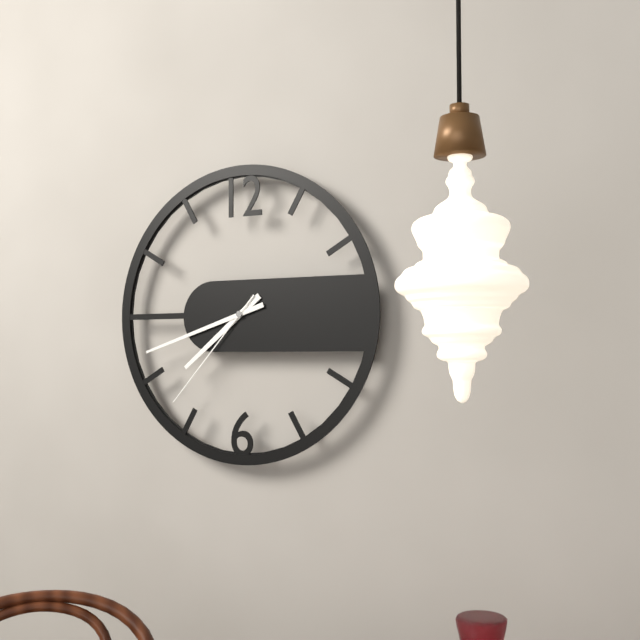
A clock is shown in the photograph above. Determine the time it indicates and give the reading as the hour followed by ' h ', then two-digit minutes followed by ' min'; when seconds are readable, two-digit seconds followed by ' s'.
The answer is 7 h 42 min 37 s
